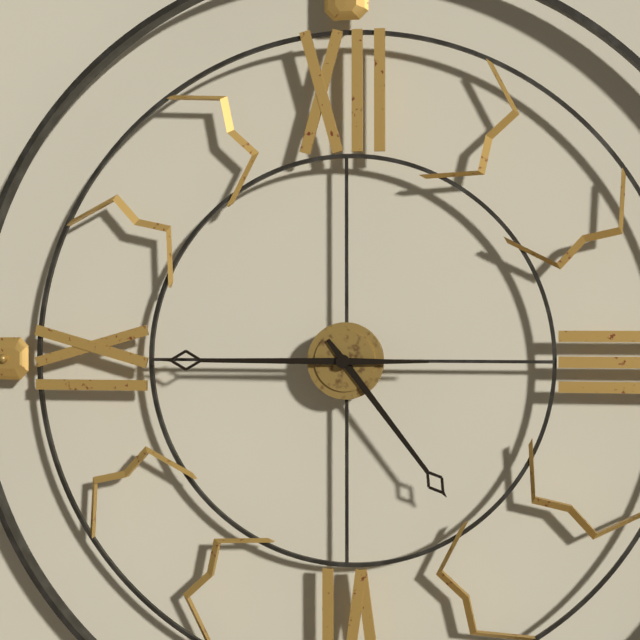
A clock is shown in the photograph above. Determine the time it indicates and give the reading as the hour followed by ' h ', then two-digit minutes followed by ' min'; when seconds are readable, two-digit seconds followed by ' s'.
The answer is 4 h 45 min
